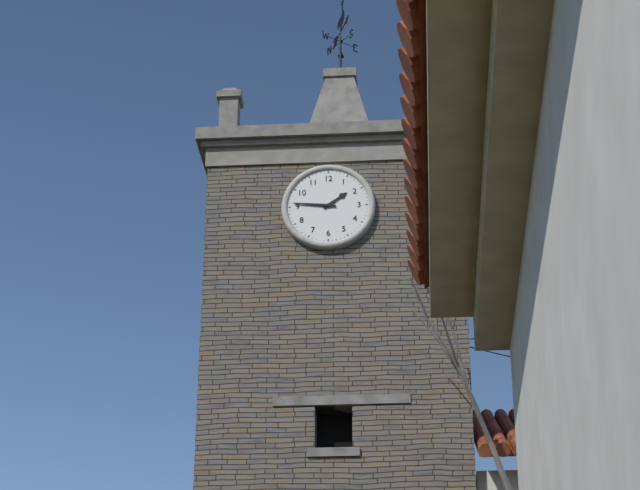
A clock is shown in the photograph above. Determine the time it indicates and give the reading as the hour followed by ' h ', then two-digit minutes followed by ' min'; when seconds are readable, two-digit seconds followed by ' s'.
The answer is 1 h 46 min
